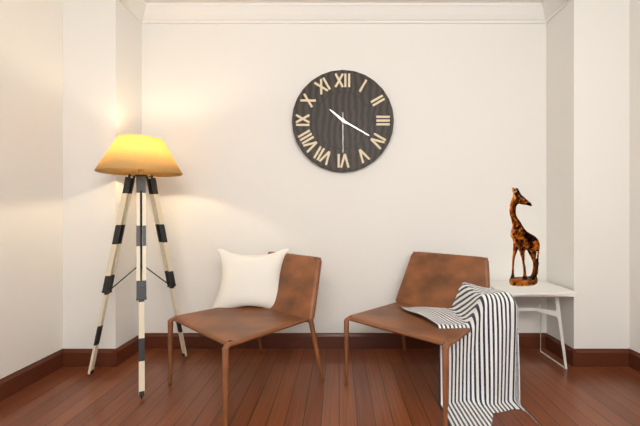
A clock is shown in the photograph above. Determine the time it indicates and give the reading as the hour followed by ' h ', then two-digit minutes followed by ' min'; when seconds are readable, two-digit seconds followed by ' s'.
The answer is 10 h 20 min
